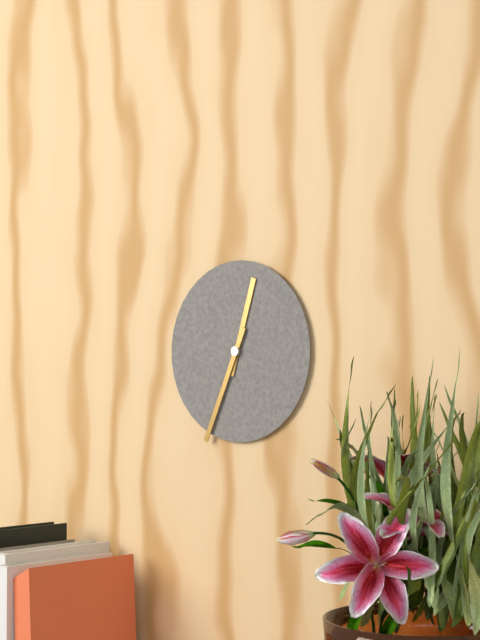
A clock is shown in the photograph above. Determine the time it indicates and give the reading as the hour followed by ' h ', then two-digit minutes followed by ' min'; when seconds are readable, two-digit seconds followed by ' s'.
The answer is 12 h 34 min
